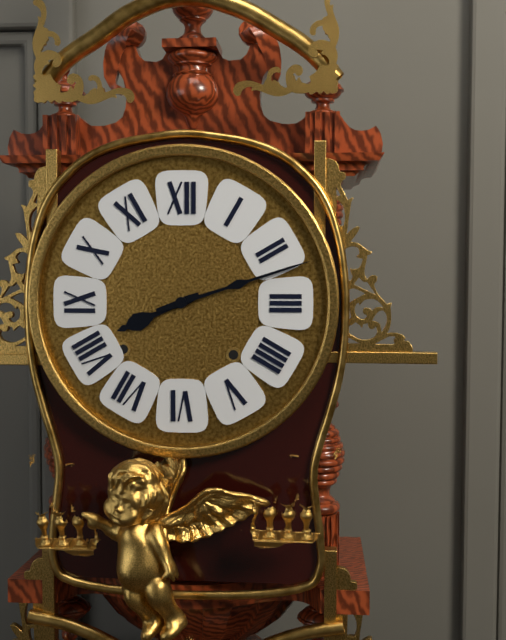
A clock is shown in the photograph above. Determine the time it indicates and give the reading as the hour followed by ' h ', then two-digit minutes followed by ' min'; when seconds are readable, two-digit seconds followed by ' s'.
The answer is 8 h 12 min
